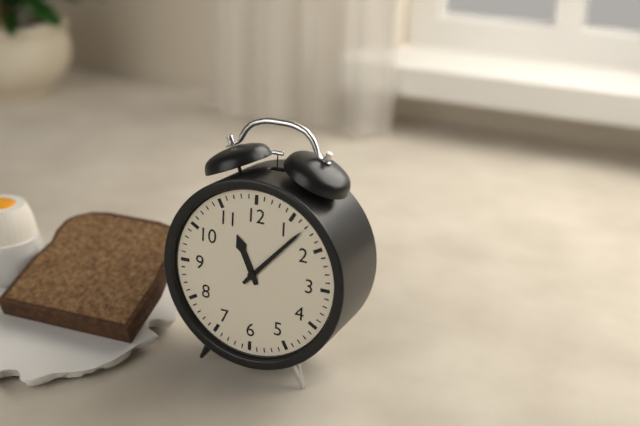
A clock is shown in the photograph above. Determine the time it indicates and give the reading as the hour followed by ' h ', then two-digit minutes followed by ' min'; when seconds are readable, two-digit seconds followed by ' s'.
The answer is 11 h 07 min
